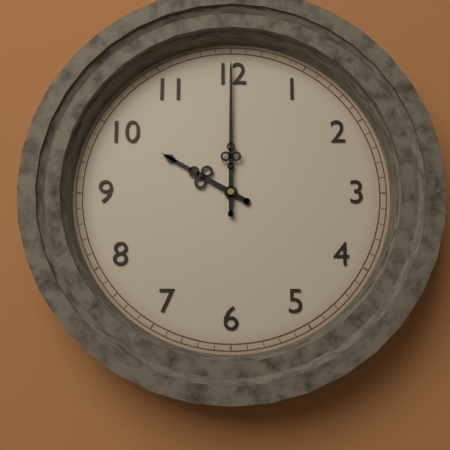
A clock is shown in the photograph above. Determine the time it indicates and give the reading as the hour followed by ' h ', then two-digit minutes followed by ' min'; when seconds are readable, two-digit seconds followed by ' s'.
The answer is 10 h 00 min
